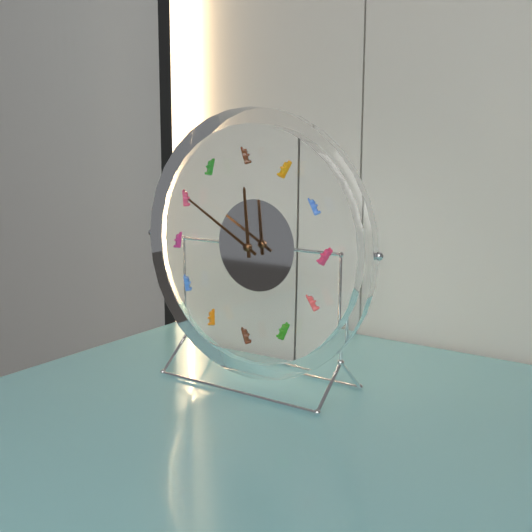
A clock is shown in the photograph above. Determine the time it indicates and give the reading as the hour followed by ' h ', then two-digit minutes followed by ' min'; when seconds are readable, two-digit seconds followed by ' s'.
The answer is 11 h 50 min
